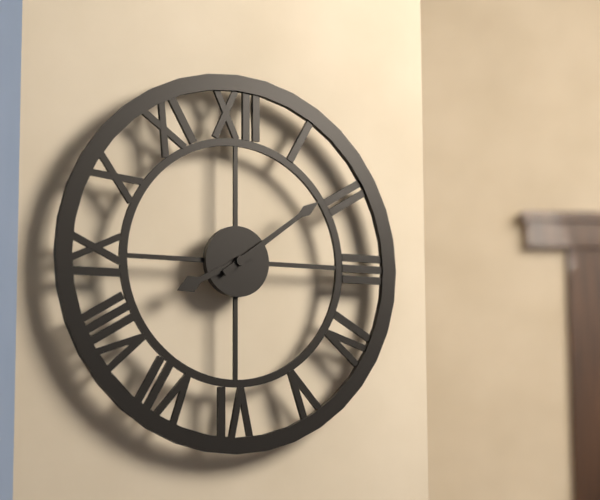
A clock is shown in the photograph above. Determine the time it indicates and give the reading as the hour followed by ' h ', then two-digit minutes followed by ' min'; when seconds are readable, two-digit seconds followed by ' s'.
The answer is 8 h 09 min
